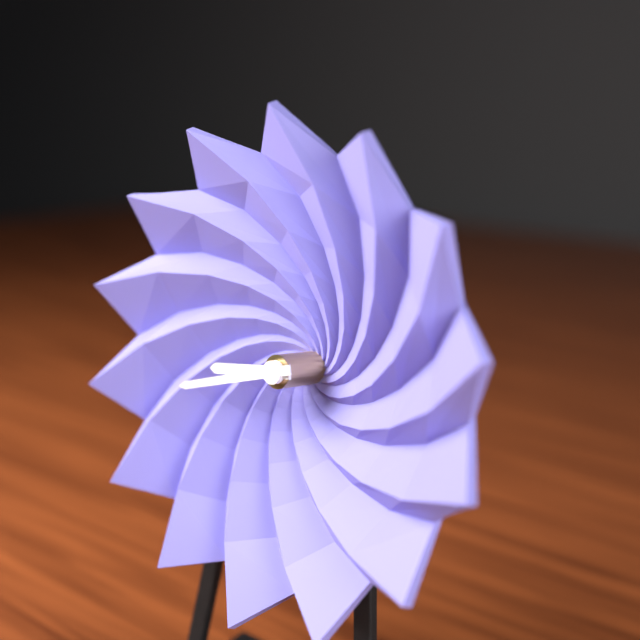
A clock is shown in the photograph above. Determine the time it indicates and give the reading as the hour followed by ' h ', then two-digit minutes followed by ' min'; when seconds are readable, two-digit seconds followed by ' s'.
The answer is 8 h 42 min
